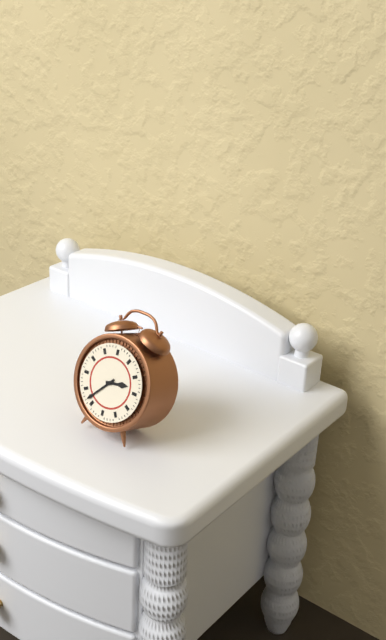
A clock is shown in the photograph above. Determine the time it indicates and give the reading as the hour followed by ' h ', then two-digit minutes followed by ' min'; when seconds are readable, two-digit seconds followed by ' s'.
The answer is 2 h 37 min
